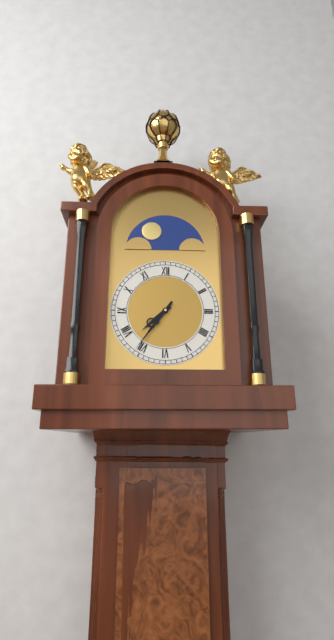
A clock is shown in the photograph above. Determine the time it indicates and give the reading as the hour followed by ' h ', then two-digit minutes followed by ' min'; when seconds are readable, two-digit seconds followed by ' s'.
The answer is 7 h 36 min
